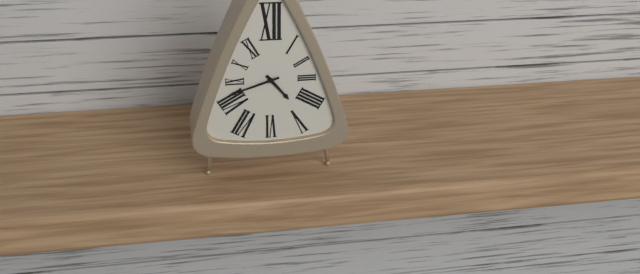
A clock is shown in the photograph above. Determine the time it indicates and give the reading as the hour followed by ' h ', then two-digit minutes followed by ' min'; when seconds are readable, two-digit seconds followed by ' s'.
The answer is 4 h 42 min
